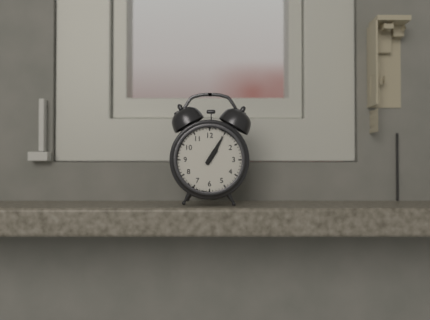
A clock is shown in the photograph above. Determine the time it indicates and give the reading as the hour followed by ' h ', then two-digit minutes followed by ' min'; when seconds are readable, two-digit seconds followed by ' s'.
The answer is 1 h 05 min
